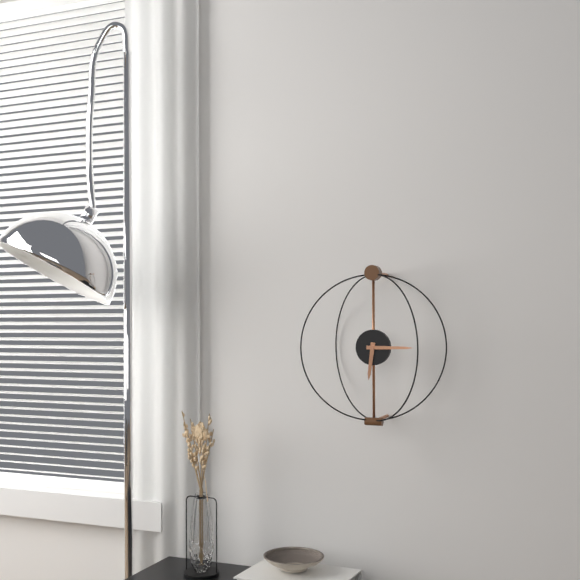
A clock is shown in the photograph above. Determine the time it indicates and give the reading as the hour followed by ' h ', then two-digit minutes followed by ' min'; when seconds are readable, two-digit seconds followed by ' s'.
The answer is 6 h 15 min
